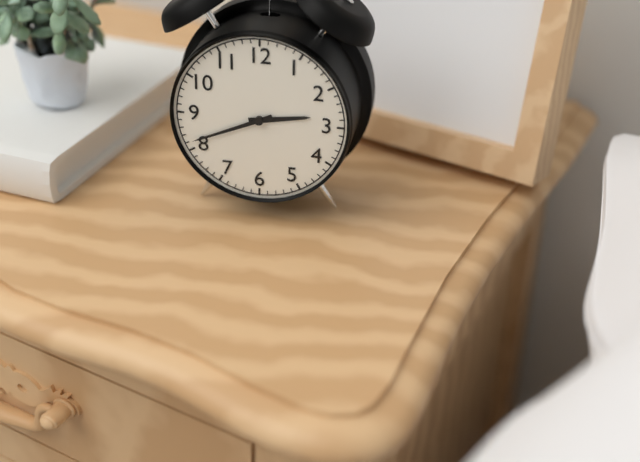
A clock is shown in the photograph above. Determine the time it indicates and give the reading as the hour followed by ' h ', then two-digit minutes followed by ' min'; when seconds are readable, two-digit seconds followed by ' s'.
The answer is 2 h 41 min
